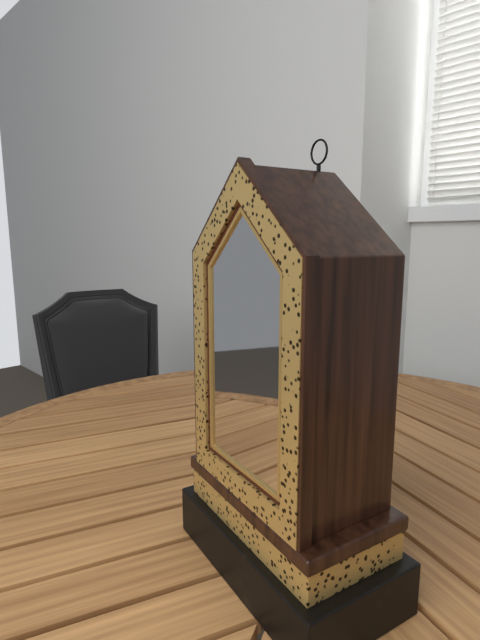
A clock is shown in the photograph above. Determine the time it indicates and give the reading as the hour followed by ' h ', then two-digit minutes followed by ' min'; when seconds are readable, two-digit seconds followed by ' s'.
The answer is 7 h 22 min
